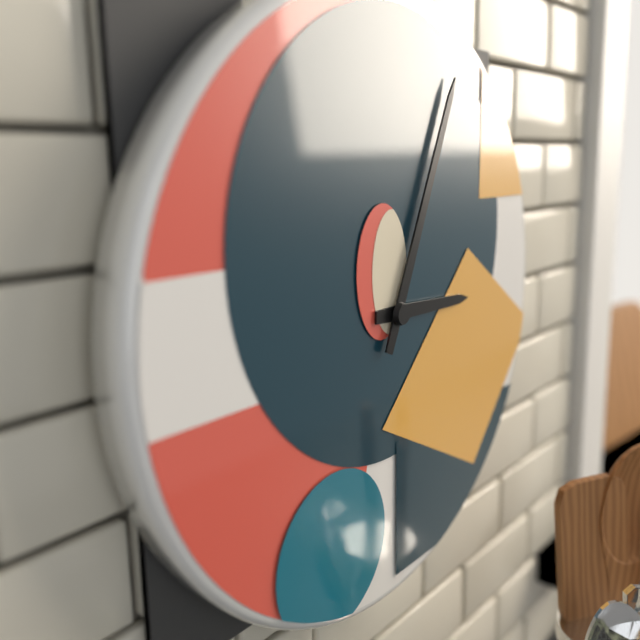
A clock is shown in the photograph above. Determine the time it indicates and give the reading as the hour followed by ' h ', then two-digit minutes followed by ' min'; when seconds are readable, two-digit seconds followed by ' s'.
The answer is 3 h 04 min
